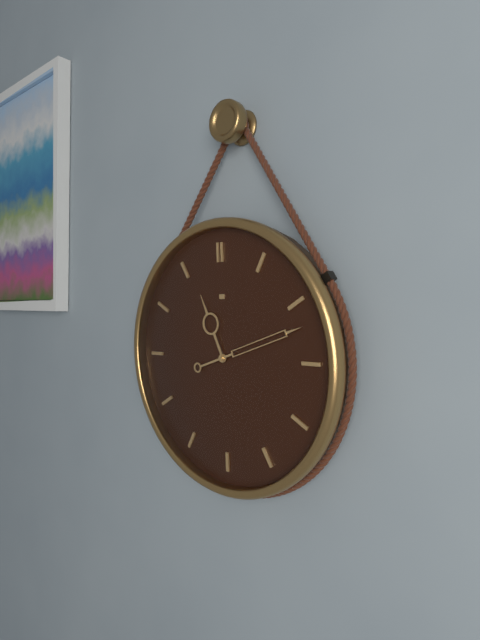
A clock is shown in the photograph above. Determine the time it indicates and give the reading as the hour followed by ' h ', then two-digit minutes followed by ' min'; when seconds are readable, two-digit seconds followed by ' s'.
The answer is 11 h 12 min
